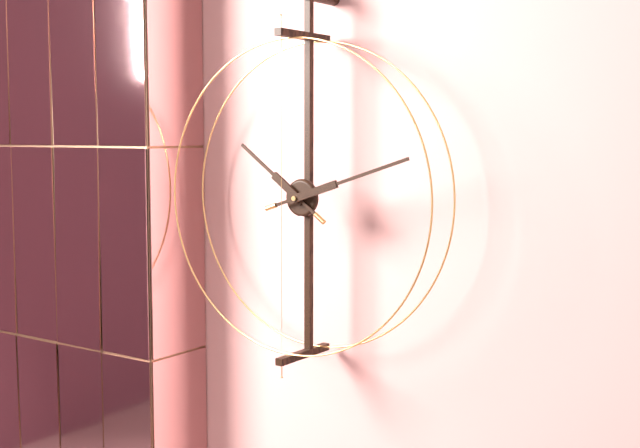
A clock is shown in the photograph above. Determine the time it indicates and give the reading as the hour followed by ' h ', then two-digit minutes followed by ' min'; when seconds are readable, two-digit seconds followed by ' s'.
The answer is 10 h 12 min
